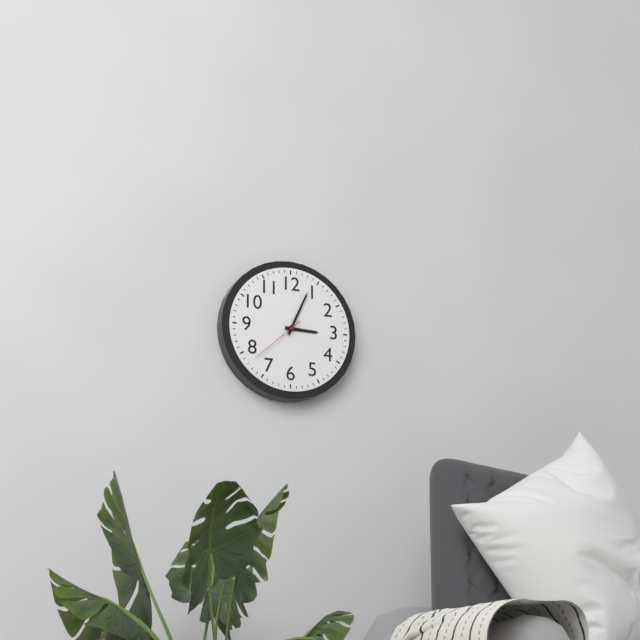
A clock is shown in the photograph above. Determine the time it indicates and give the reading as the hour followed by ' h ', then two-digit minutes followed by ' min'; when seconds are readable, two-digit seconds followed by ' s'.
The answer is 3 h 04 min 38 s
